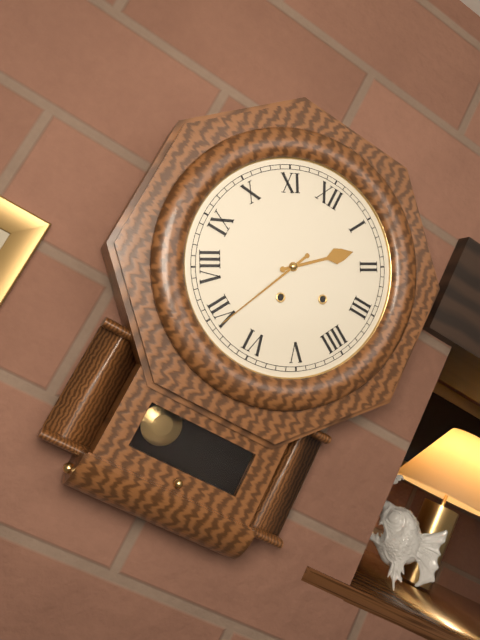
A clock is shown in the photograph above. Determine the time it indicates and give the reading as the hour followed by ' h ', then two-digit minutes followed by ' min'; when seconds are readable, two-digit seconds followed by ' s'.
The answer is 1 h 34 min
